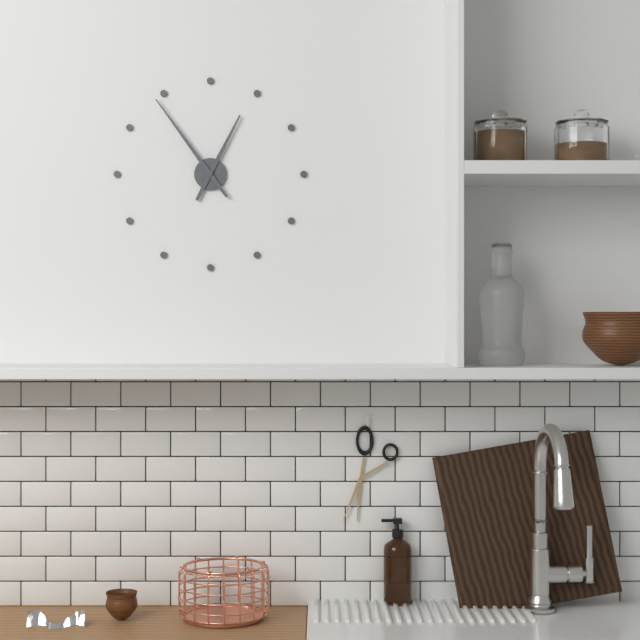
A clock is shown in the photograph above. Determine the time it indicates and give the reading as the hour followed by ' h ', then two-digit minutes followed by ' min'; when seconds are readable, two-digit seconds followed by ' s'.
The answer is 12 h 54 min
